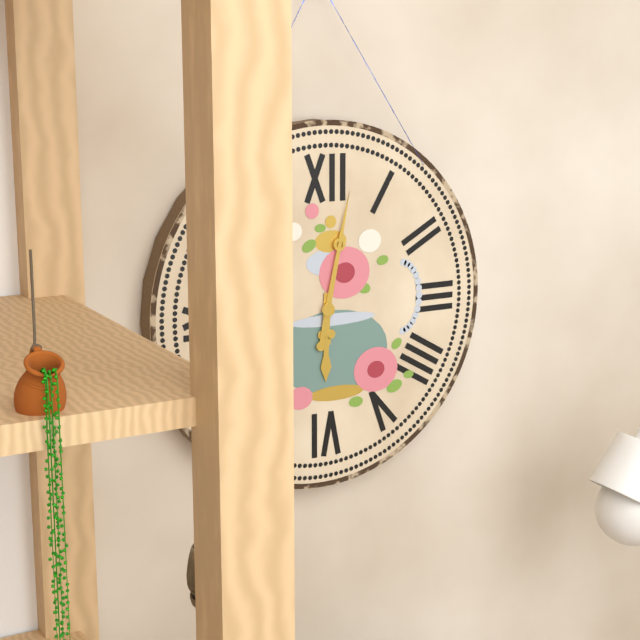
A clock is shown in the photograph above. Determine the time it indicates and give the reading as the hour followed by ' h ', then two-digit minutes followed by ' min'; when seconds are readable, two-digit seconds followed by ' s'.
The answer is 6 h 02 min
